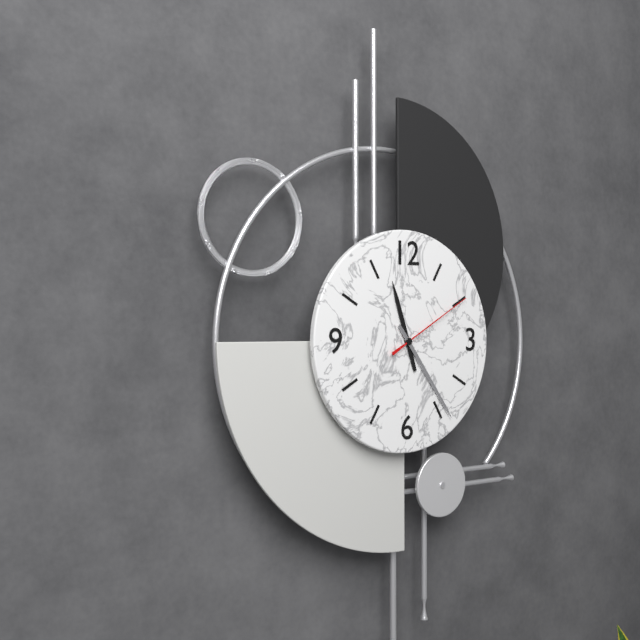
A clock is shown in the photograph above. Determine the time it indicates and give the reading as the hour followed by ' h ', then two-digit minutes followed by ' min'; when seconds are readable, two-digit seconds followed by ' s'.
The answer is 11 h 24 min 10 s
